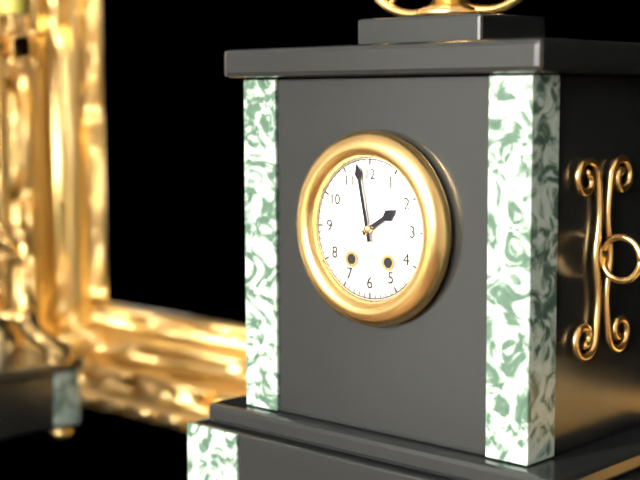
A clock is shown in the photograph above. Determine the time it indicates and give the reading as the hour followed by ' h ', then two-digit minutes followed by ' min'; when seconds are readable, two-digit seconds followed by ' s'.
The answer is 1 h 58 min
